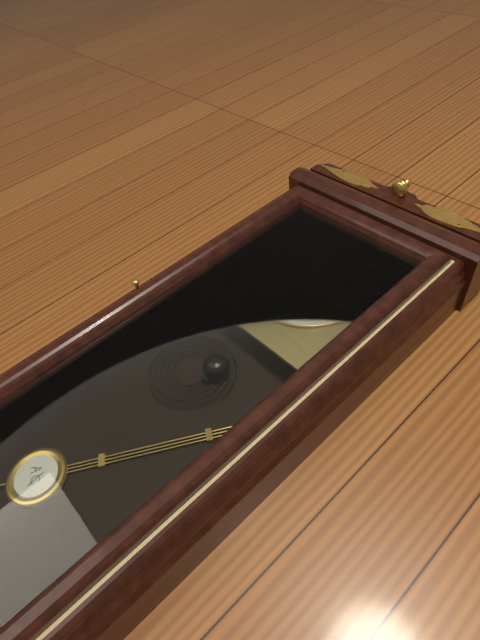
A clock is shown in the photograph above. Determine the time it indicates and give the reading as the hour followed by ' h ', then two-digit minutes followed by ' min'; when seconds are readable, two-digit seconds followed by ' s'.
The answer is 11 h 32 min
